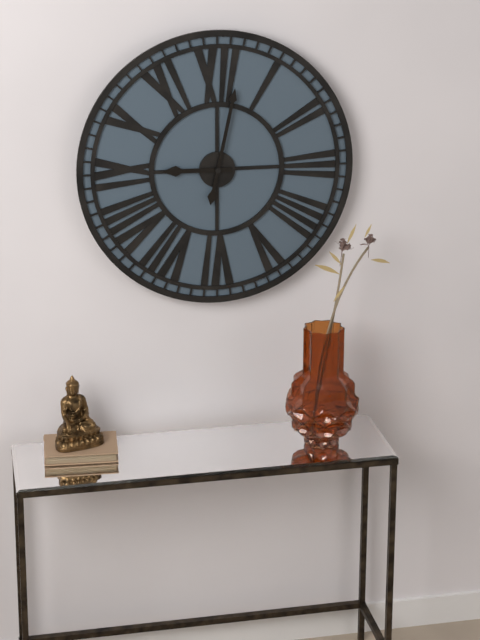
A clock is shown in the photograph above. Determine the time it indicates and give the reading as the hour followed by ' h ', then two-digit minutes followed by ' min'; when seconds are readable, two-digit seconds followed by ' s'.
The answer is 9 h 02 min
